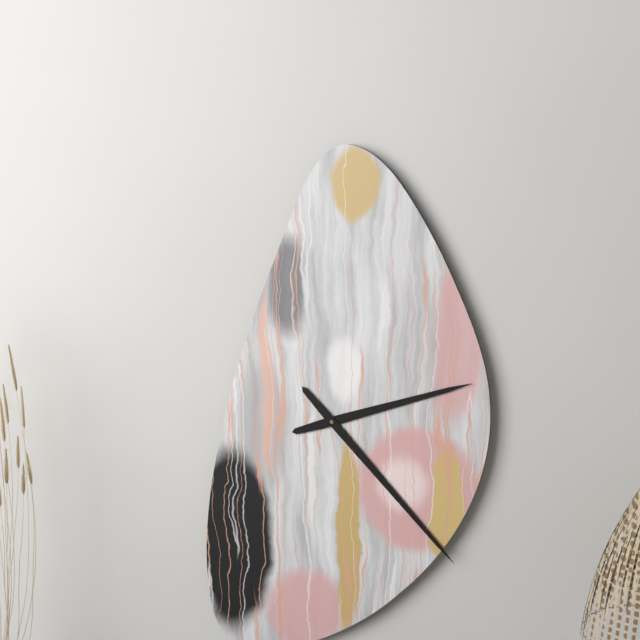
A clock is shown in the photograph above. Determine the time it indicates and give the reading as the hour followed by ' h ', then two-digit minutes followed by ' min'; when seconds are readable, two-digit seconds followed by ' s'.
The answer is 2 h 23 min
